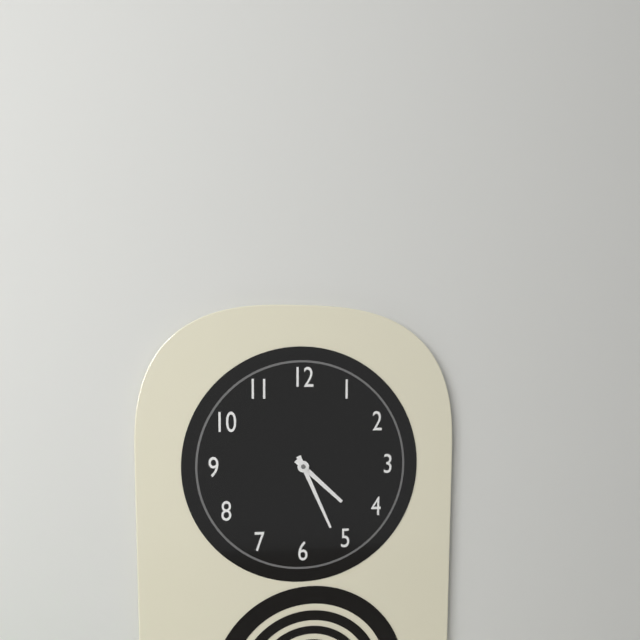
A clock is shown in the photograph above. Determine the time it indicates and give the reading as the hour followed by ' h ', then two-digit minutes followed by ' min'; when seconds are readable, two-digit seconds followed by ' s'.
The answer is 4 h 26 min
